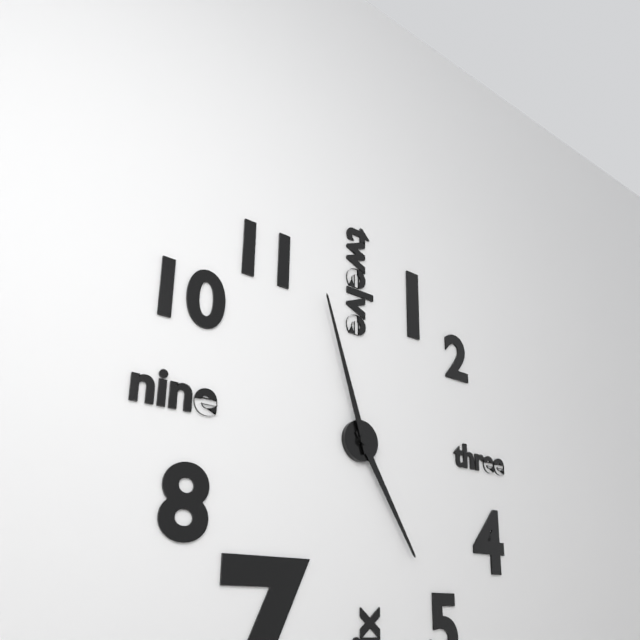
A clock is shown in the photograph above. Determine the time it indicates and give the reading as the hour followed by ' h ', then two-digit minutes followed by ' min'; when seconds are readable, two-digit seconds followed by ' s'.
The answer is 4 h 57 min
